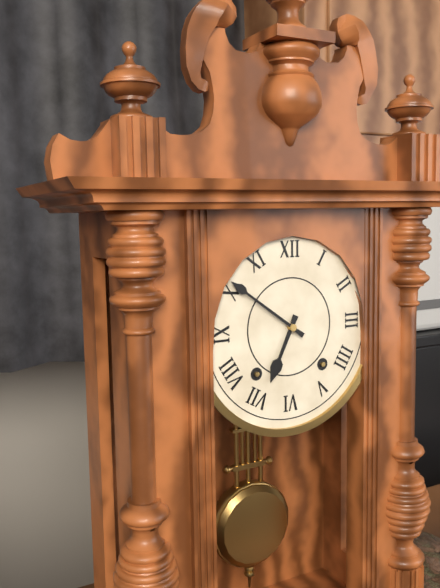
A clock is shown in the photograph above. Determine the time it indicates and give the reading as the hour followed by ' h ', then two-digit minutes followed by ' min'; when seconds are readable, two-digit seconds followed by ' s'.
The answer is 6 h 51 min
